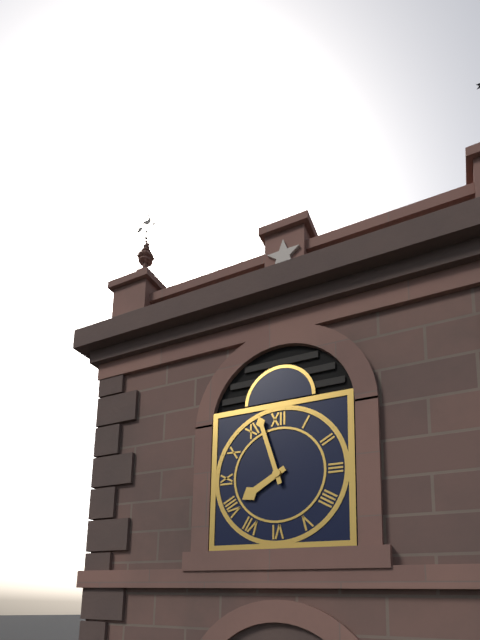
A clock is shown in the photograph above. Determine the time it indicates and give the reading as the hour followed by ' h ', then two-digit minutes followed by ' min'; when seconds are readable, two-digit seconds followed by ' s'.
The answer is 7 h 57 min
